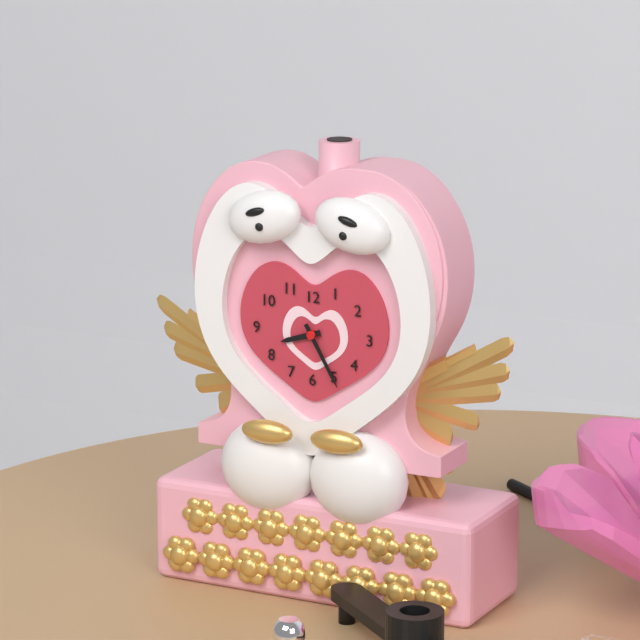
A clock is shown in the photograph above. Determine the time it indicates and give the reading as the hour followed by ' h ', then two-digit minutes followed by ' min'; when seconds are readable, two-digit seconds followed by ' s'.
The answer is 8 h 25 min
